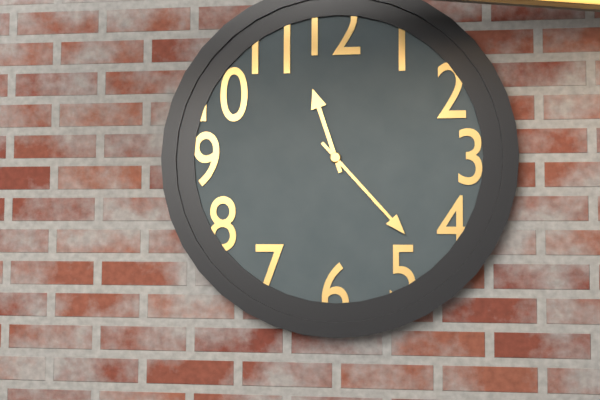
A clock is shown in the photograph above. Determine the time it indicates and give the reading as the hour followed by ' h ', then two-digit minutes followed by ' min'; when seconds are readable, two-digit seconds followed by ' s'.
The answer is 11 h 23 min
